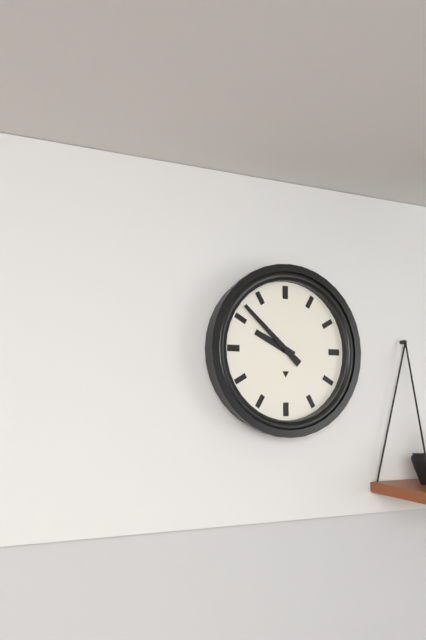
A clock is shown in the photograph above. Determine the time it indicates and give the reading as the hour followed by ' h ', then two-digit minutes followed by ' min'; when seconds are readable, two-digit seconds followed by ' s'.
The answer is 9 h 52 min
